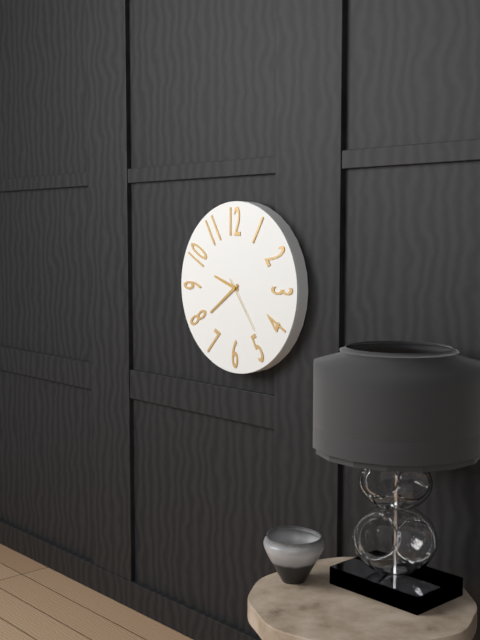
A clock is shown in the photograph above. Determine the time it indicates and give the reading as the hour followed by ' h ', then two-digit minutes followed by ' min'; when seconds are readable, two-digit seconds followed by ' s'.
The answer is 9 h 39 min 24 s
